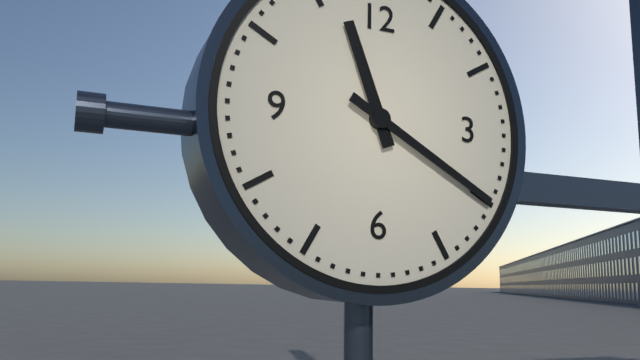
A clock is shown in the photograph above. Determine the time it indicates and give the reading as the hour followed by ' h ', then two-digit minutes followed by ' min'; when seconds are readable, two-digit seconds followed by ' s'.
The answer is 11 h 20 min
